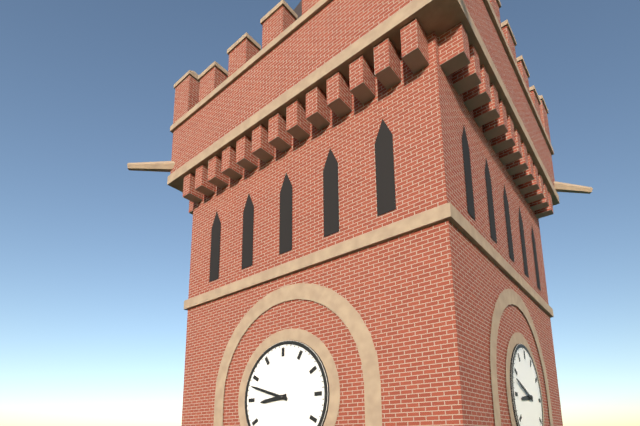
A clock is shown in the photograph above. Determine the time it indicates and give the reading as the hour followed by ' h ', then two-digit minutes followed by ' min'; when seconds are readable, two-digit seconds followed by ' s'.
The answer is 8 h 48 min
